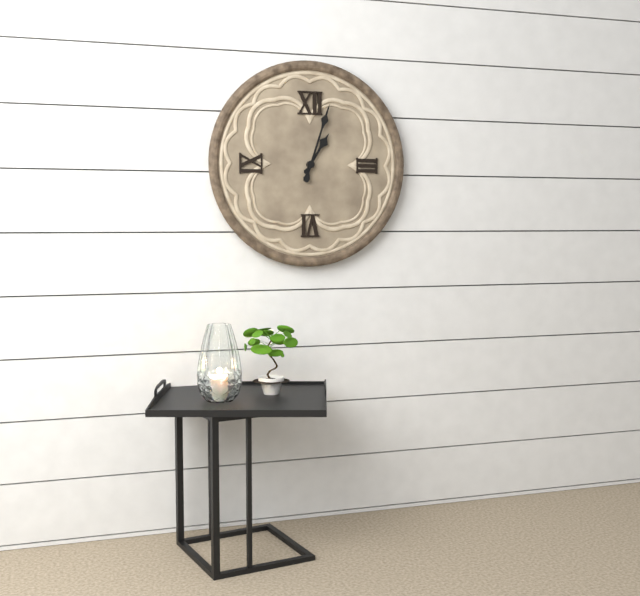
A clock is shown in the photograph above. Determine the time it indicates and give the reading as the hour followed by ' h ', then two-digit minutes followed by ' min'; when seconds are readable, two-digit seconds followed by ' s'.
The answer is 1 h 03 min
